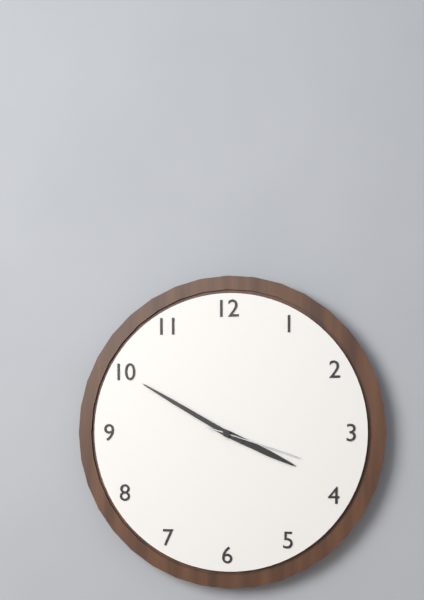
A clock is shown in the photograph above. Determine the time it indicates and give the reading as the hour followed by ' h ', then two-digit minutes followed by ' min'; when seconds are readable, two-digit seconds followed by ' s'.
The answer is 3 h 50 min 18 s
